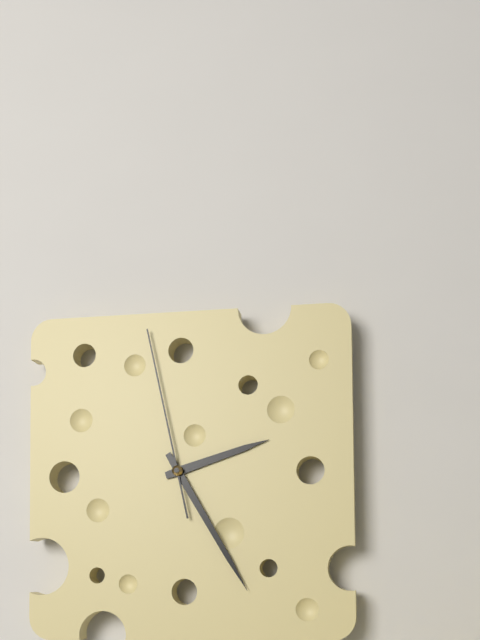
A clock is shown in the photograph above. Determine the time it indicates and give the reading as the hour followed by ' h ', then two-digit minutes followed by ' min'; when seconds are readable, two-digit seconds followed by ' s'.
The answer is 2 h 25 min 58 s
